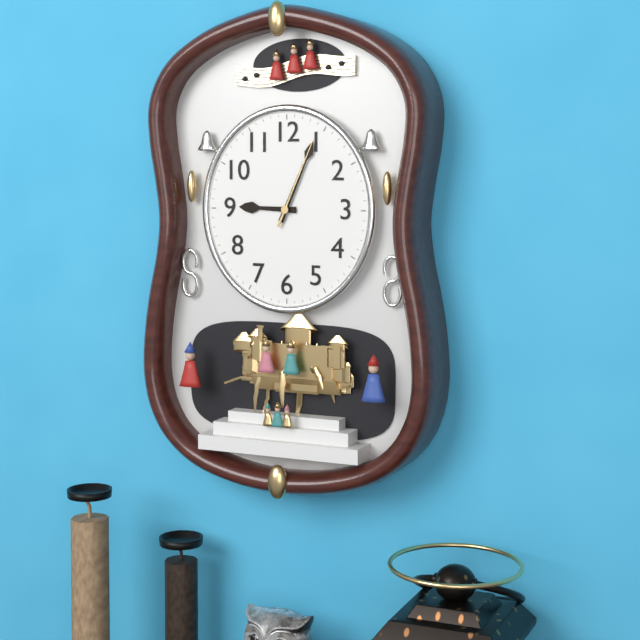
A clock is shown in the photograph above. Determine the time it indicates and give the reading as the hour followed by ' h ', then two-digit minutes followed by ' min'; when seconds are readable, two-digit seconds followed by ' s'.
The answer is 9 h 04 min 04 s
